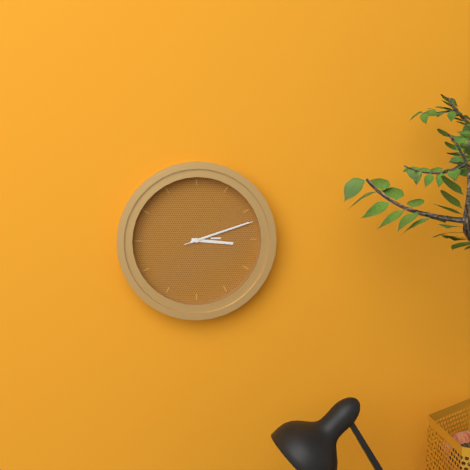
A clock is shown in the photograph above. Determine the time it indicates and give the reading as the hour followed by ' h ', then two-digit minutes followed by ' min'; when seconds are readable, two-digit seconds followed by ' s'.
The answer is 3 h 12 min 12 s
